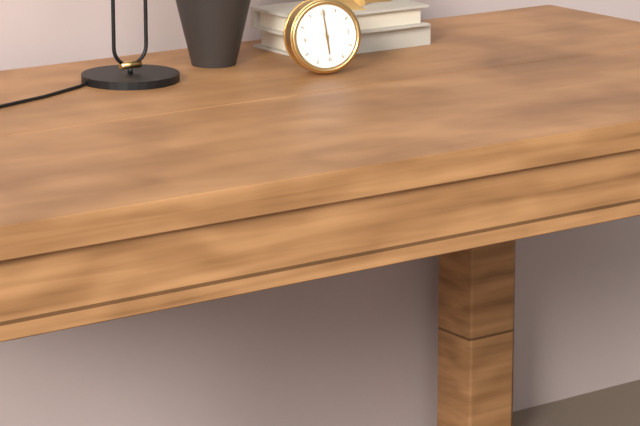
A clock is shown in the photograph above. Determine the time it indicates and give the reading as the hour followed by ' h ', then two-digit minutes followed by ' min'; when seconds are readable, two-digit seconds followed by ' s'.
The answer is 6 h 00 min
